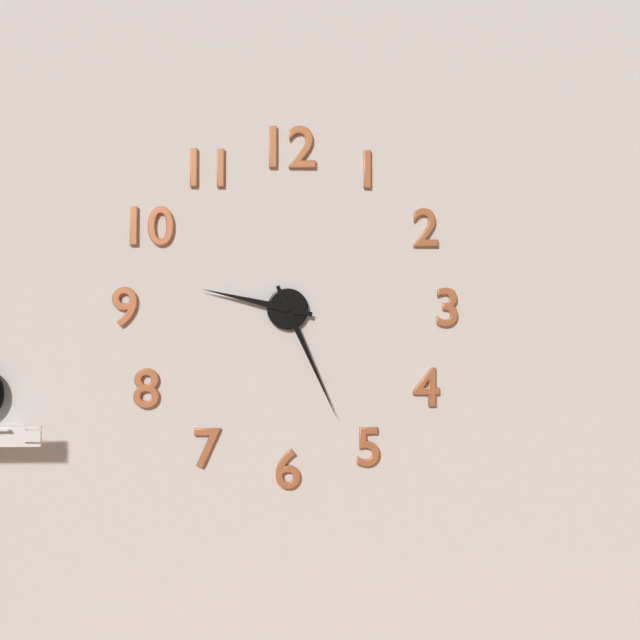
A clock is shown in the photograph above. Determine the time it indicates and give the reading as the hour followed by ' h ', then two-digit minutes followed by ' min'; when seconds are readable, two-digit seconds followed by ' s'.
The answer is 9 h 26 min
